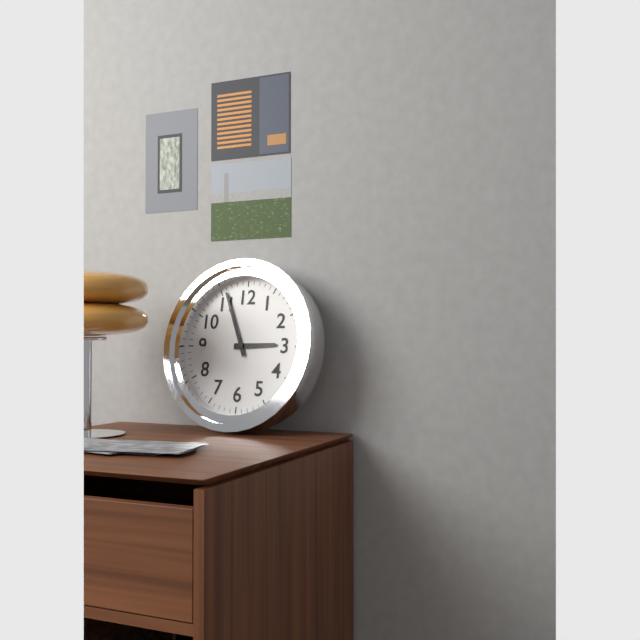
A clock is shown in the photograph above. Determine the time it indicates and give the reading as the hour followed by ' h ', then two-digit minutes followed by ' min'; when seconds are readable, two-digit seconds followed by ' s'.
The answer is 2 h 56 min
